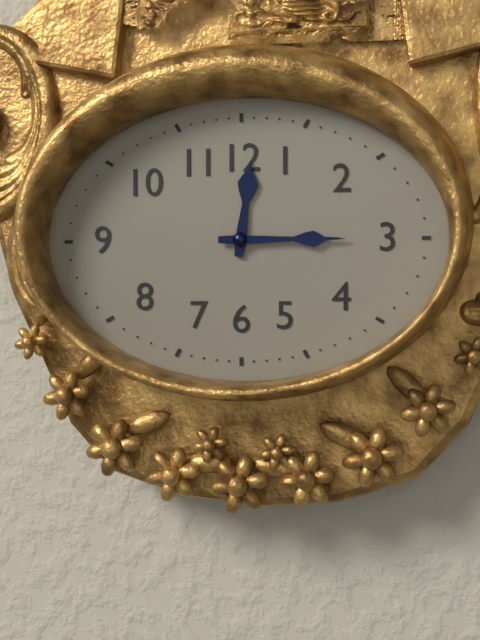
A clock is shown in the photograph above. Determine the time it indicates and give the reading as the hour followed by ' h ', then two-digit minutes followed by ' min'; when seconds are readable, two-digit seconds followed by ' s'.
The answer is 12 h 15 min
